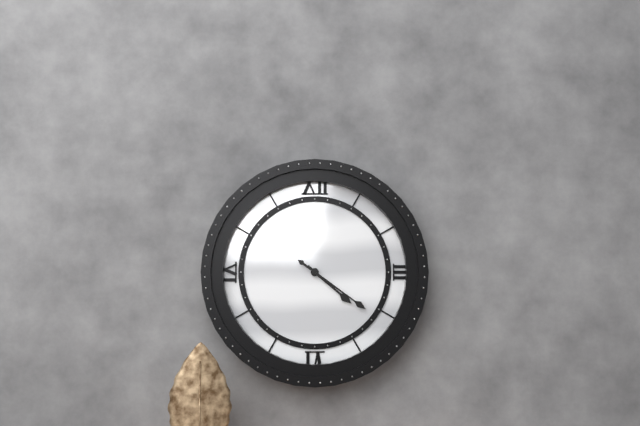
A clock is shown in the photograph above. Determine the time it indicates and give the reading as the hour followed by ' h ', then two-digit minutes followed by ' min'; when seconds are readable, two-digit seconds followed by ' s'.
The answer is 4 h 21 min
